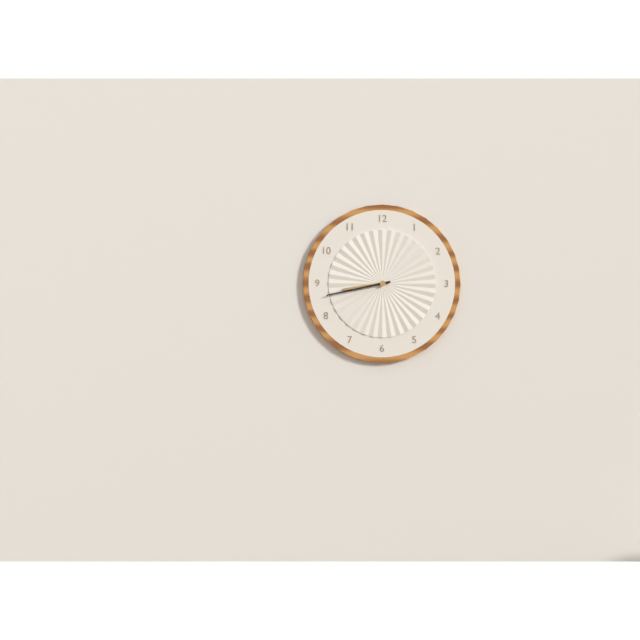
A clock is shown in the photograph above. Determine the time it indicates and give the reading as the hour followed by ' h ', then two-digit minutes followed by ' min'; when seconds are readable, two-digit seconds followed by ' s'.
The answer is 8 h 43 min
